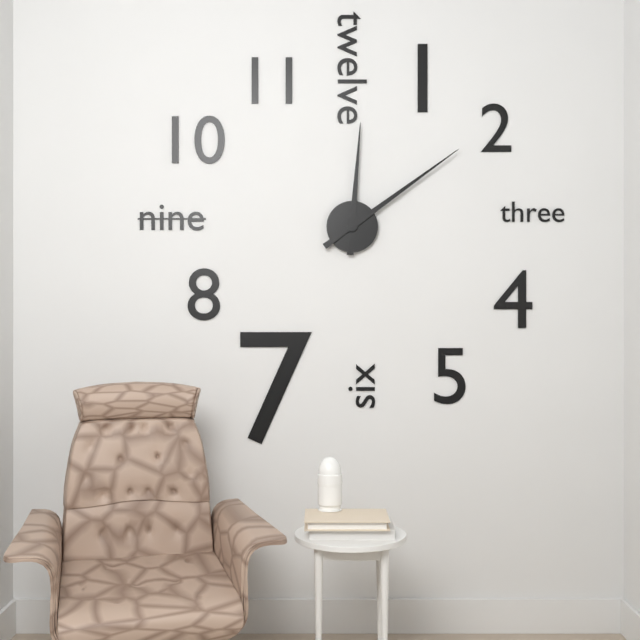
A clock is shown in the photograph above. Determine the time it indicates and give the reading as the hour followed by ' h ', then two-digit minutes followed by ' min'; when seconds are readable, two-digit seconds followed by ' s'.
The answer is 12 h 09 min
